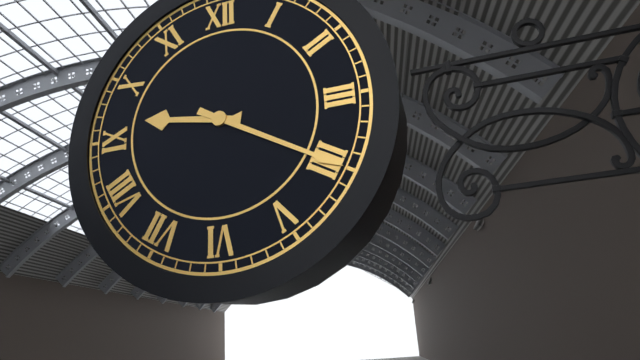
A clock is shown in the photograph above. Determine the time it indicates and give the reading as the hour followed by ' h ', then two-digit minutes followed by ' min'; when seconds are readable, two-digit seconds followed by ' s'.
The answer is 9 h 20 min
